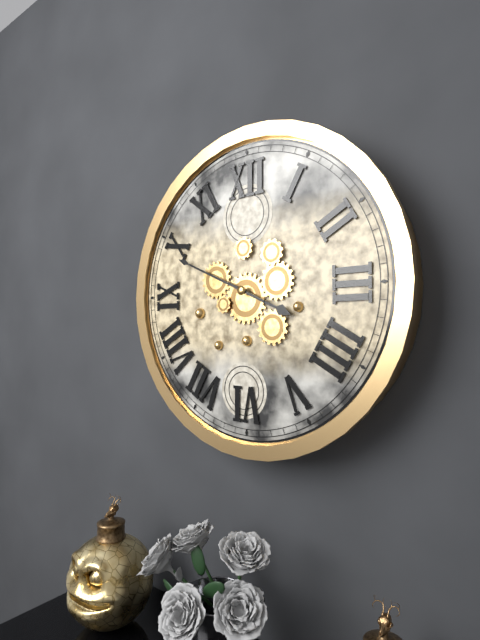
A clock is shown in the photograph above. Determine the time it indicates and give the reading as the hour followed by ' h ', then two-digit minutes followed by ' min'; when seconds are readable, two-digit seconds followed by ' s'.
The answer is 3 h 49 min
